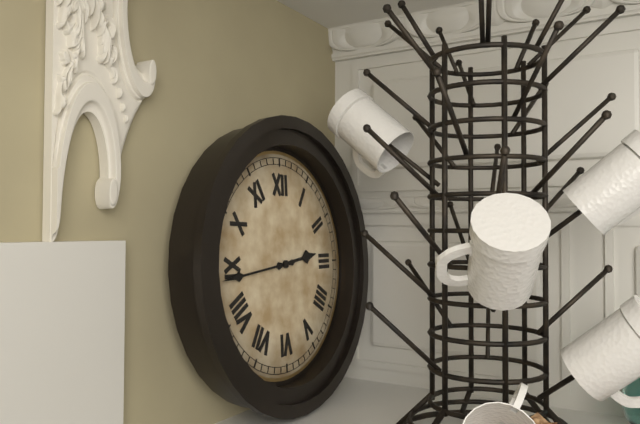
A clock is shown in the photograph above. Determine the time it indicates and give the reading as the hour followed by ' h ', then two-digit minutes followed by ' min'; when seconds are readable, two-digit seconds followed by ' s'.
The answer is 2 h 44 min
